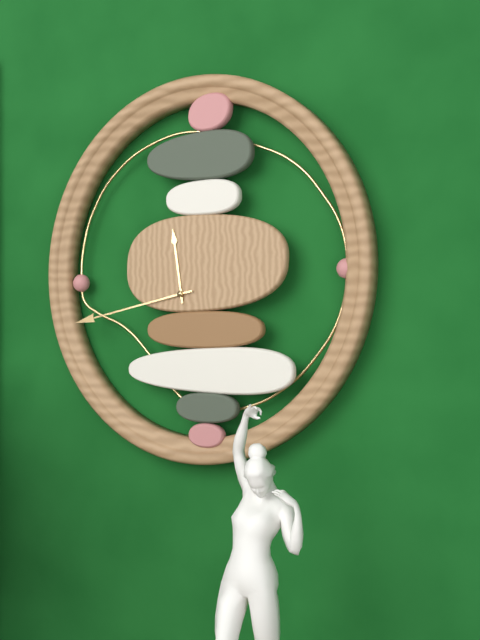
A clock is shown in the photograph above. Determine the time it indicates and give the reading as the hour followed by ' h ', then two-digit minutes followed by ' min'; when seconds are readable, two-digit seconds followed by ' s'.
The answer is 11 h 43 min
